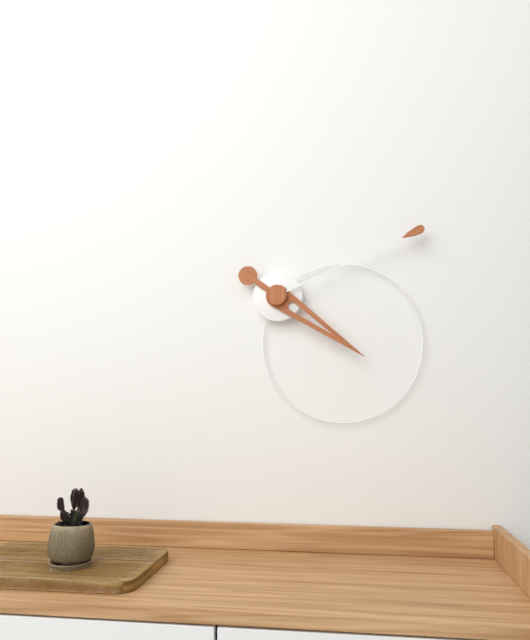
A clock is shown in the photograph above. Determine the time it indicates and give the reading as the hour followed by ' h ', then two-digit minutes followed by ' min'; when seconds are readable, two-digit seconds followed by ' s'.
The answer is 4 h 11 min
